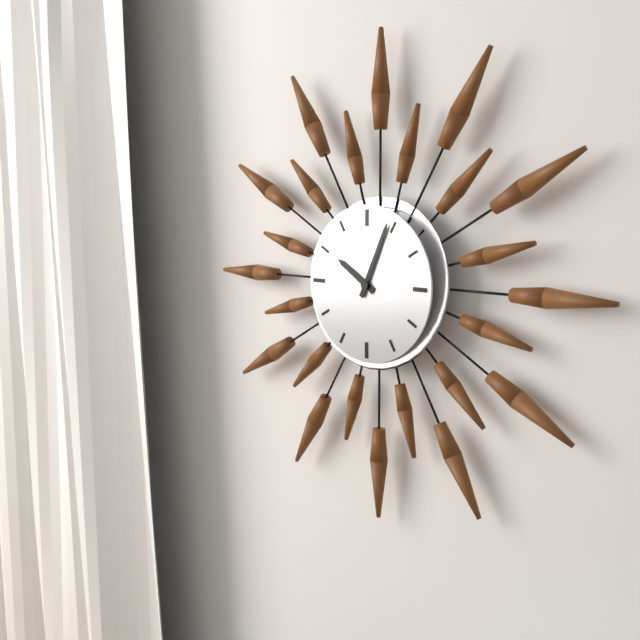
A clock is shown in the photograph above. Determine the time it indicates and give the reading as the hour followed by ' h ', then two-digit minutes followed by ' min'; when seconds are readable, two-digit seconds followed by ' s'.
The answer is 10 h 04 min
